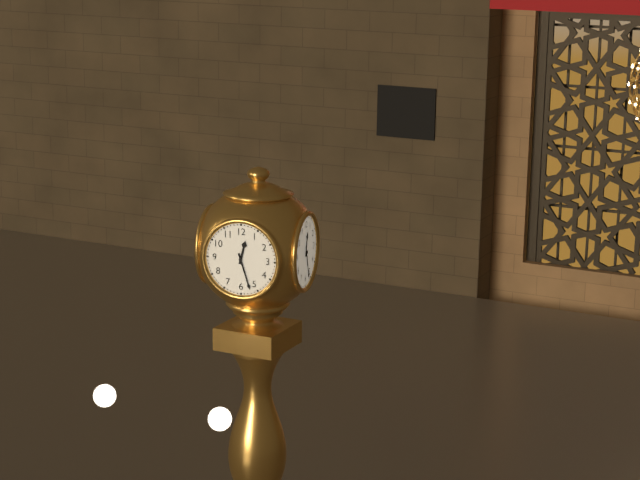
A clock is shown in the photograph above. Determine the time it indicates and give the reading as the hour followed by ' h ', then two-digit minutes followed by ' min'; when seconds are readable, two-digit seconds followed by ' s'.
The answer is 12 h 27 min
